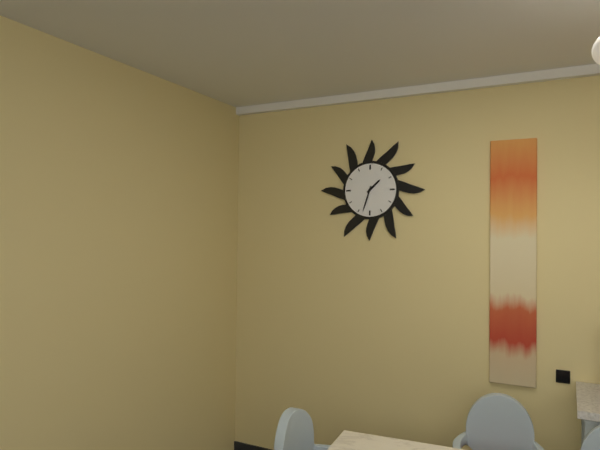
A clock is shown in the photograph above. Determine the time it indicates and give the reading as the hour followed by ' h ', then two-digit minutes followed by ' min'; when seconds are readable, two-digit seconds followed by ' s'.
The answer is 1 h 33 min
